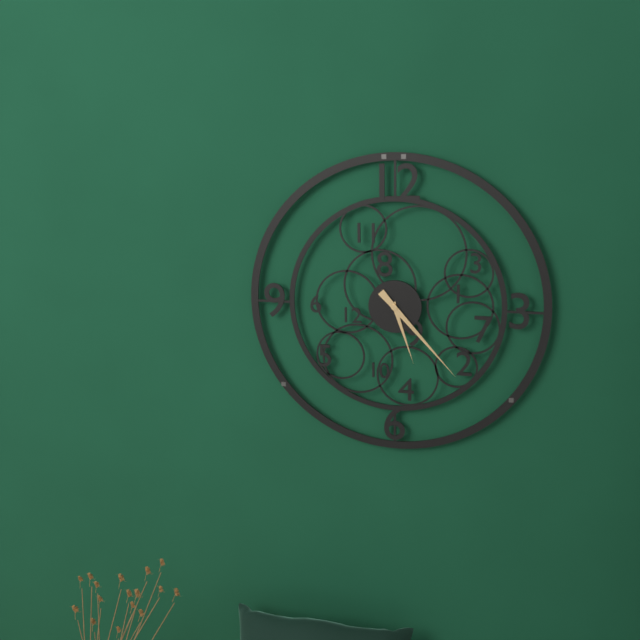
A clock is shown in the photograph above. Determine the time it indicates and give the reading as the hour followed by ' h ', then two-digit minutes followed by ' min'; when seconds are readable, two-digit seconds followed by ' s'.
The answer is 5 h 23 min
